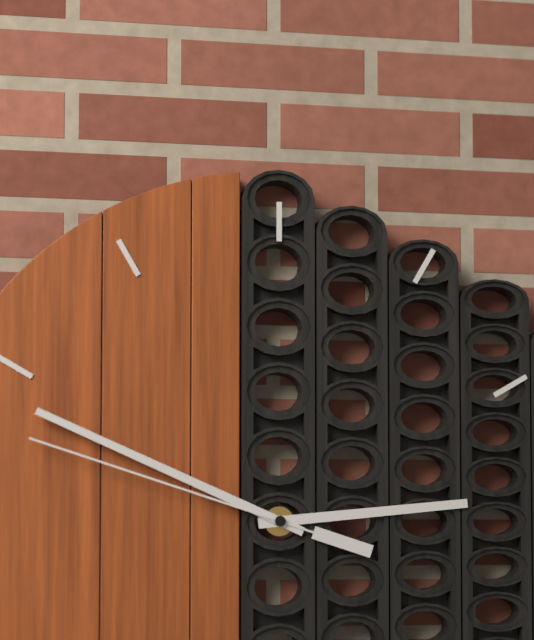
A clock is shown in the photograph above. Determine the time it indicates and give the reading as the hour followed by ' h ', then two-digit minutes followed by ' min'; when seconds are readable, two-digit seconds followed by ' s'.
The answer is 2 h 49 min 48 s
